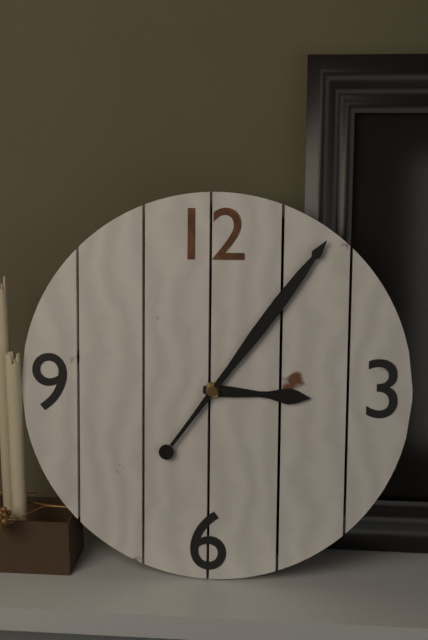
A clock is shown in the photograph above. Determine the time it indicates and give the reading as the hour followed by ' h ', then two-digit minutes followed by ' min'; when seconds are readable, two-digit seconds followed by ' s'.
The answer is 3 h 06 min
